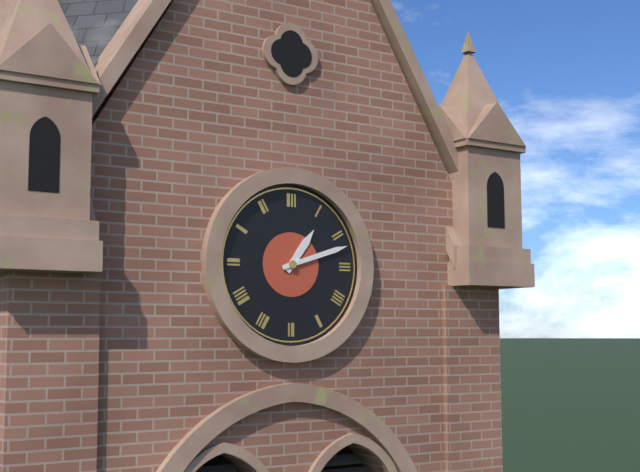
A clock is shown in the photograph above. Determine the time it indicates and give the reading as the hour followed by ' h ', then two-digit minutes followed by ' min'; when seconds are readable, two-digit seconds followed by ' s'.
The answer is 1 h 12 min
